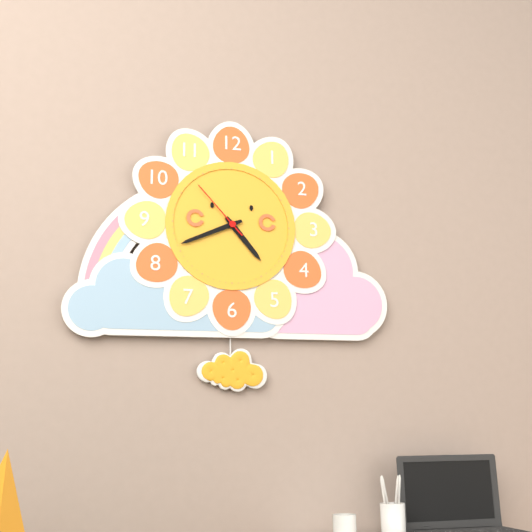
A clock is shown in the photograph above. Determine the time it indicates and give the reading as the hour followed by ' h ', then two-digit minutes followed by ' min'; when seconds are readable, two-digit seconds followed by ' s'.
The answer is 4 h 41 min 53 s
